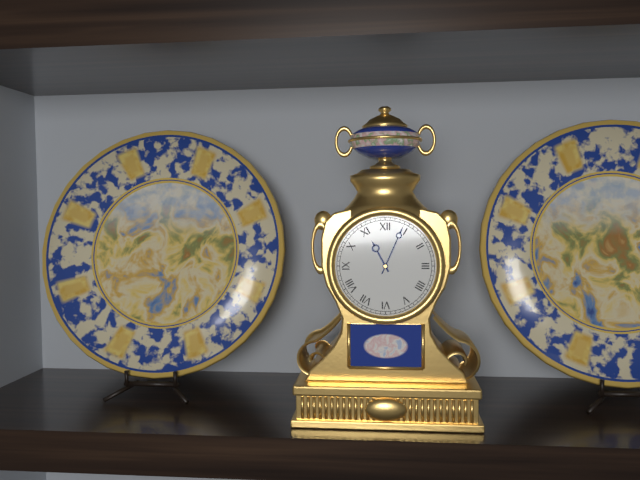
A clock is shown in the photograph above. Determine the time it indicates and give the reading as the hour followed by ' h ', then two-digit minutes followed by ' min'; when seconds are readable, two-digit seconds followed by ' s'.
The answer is 11 h 04 min
